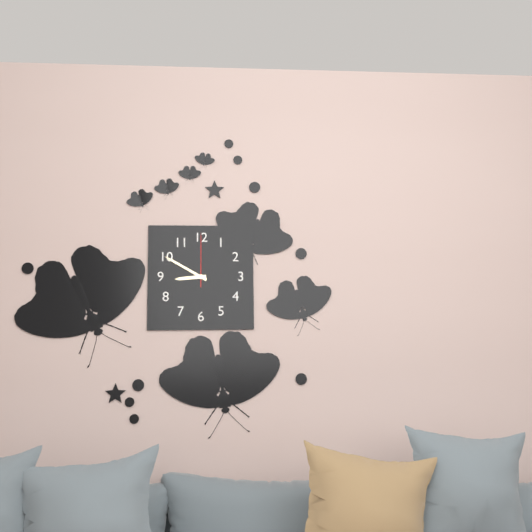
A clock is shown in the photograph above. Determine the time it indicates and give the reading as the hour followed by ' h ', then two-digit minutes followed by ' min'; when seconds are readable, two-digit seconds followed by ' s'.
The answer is 8 h 50 min 00 s
